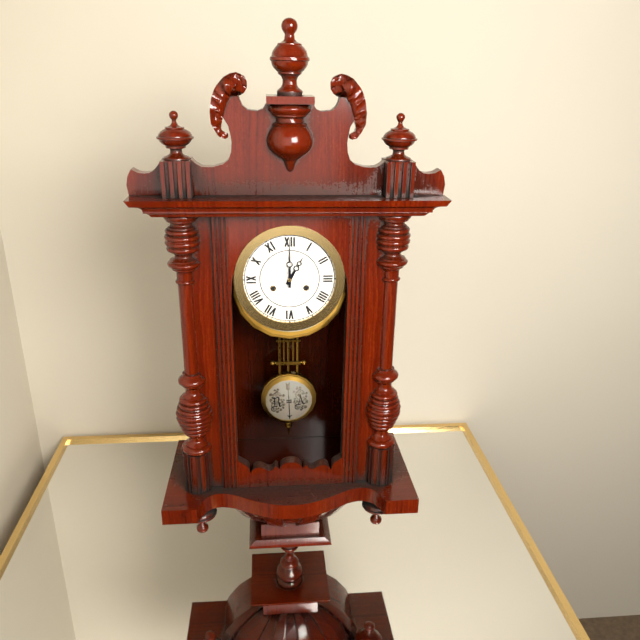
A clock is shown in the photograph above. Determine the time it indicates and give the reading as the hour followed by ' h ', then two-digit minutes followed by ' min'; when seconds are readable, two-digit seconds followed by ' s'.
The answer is 1 h 00 min
